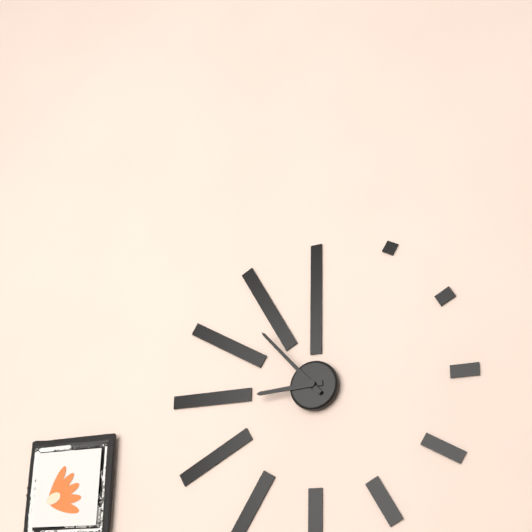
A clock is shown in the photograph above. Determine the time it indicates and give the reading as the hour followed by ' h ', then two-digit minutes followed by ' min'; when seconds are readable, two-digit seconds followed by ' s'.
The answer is 8 h 53 min
